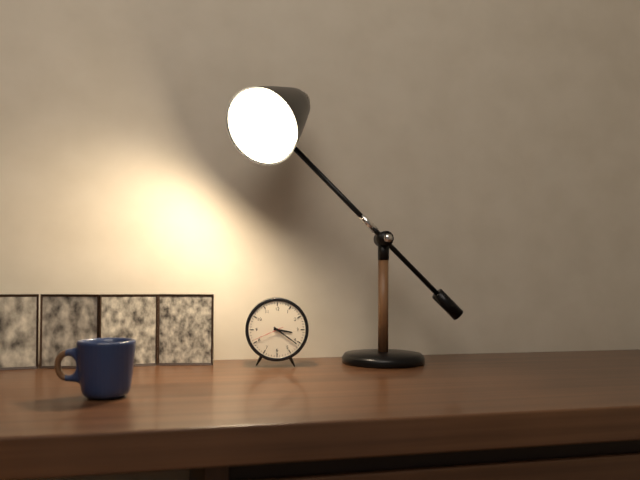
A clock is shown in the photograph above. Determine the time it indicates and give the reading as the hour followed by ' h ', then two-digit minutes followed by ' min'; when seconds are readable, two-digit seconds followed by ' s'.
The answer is 3 h 21 min
